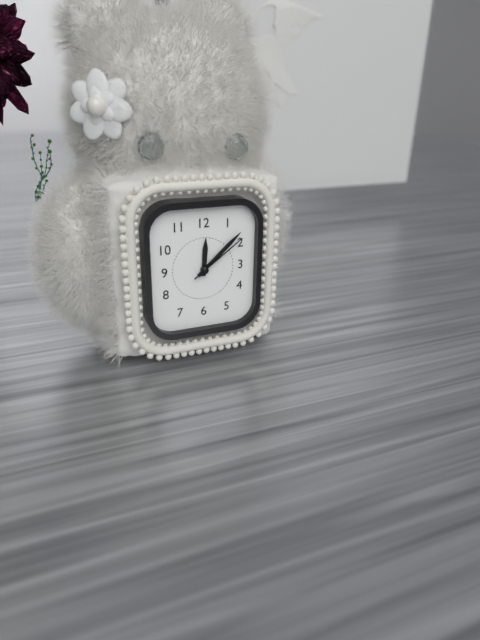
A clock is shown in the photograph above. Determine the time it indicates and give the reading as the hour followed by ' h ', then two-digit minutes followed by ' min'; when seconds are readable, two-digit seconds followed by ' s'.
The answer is 12 h 08 min 09 s
